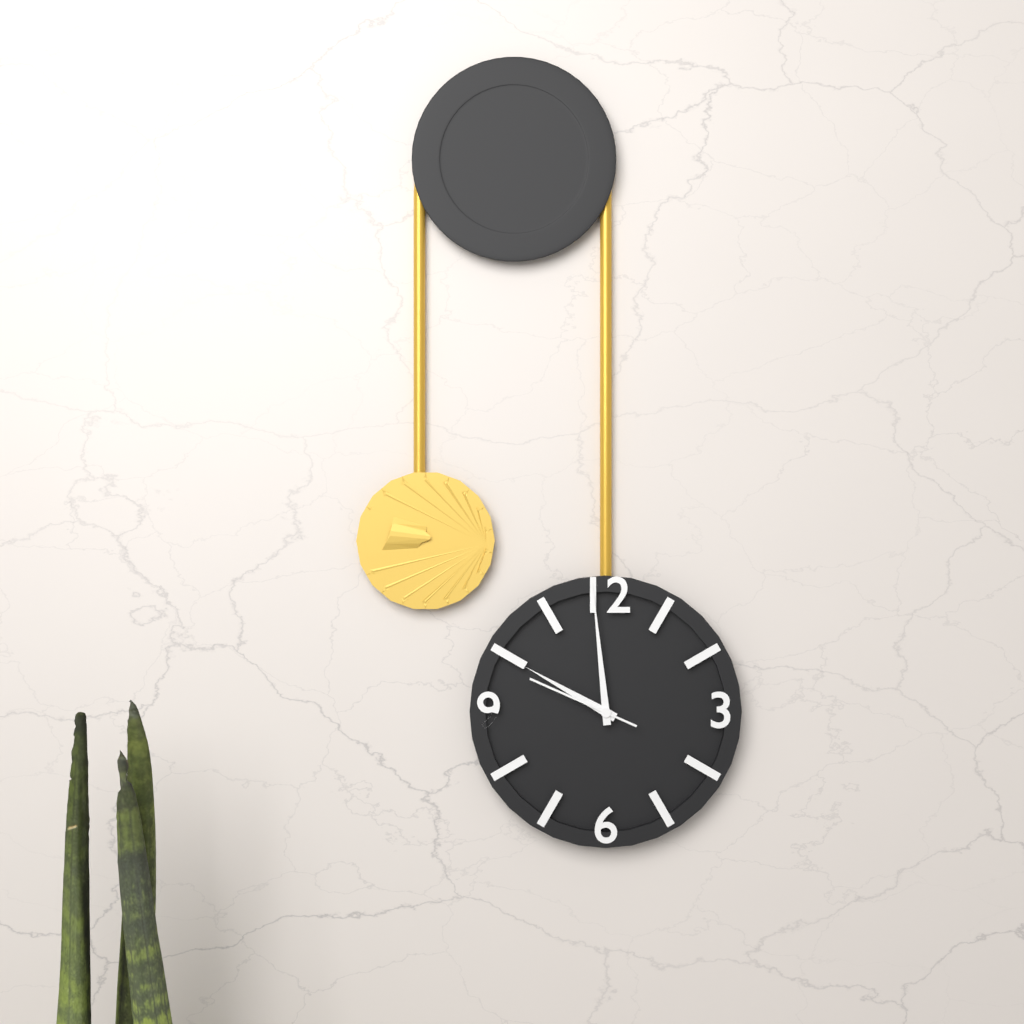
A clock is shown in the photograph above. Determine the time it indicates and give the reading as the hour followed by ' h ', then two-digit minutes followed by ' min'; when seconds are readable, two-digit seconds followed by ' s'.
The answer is 9 h 59 min 49 s
